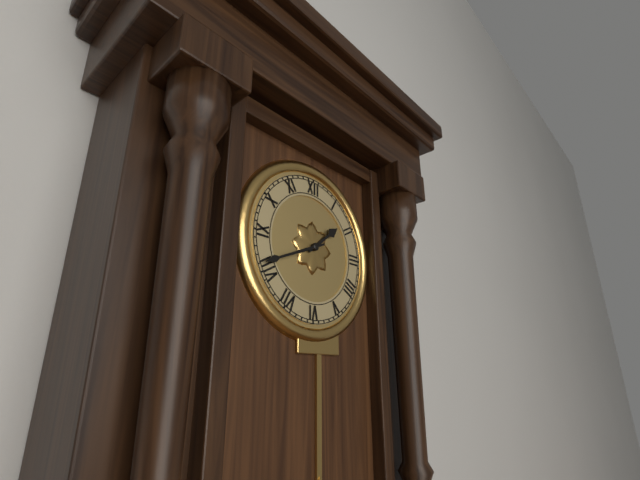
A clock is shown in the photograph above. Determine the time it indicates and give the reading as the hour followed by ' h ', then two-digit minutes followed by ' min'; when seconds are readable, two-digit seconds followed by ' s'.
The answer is 1 h 41 min
